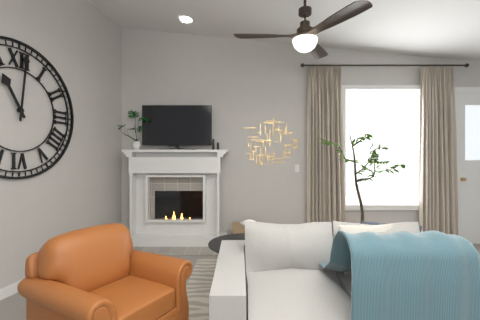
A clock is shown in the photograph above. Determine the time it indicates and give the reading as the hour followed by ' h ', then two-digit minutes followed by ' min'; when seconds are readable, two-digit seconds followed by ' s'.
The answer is 11 h 01 min
